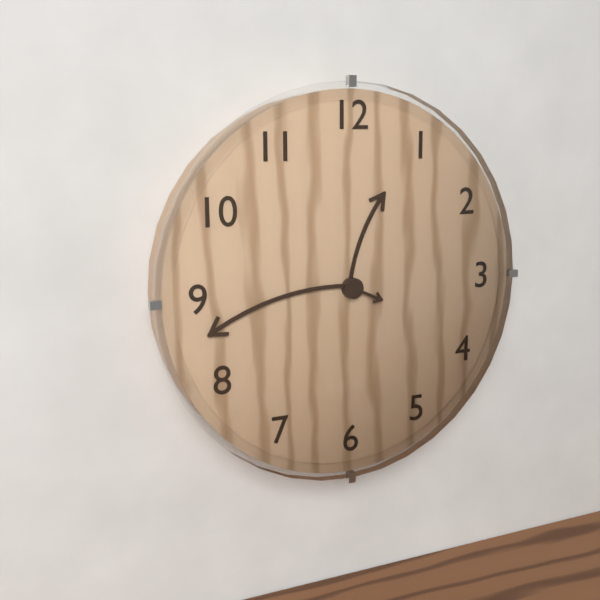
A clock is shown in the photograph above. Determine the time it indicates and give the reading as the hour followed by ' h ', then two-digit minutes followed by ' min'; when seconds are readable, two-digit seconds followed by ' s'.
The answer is 12 h 43 min
